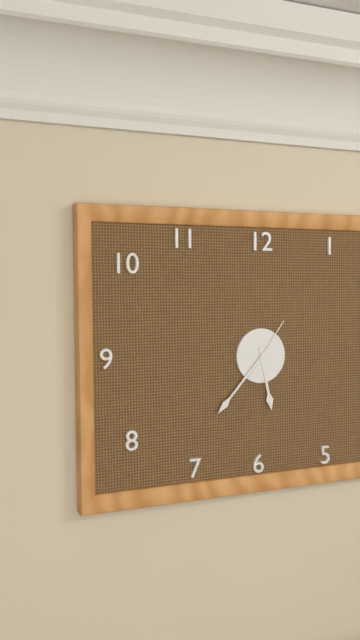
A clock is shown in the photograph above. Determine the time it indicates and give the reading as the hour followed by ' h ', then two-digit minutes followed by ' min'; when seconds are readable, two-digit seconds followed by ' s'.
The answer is 5 h 37 min 06 s
